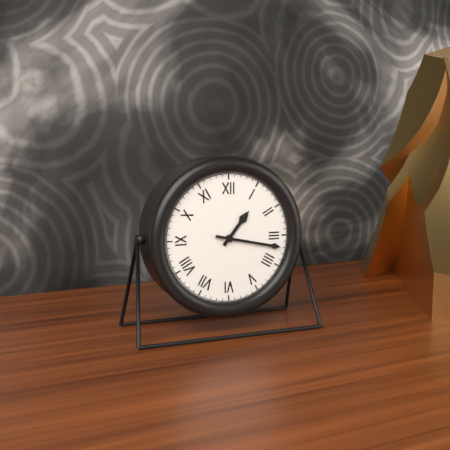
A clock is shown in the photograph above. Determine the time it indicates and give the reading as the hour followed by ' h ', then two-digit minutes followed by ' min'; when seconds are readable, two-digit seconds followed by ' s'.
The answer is 1 h 17 min
